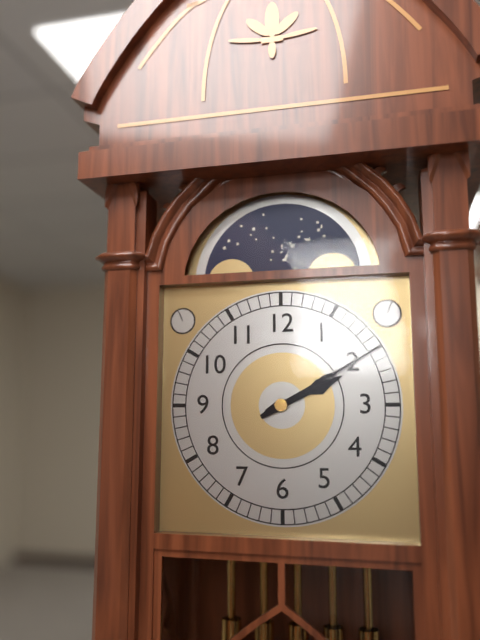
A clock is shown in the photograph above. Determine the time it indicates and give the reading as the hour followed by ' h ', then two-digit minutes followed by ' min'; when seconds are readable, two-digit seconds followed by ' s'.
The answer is 2 h 10 min
